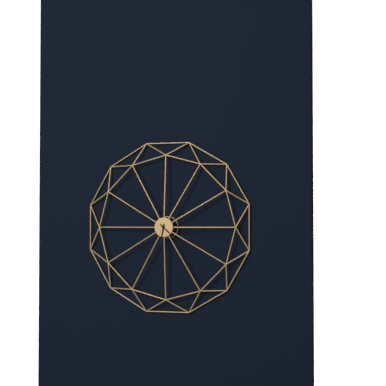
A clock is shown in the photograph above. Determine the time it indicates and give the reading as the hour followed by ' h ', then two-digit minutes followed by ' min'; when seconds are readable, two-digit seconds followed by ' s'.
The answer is 6 h 22 min
